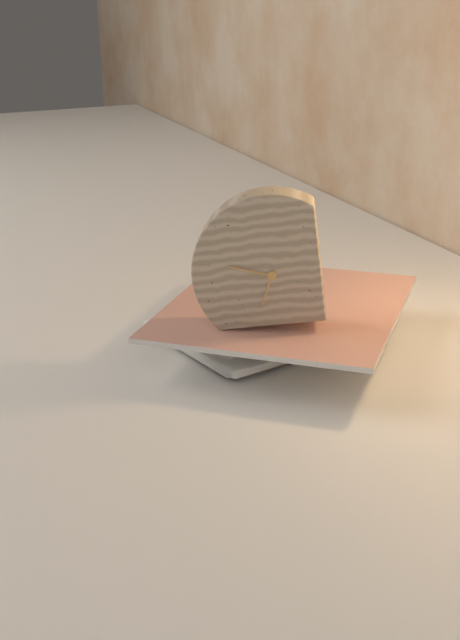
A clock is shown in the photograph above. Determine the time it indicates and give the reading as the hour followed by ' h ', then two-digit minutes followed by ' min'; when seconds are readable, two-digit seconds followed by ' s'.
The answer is 6 h 48 min
